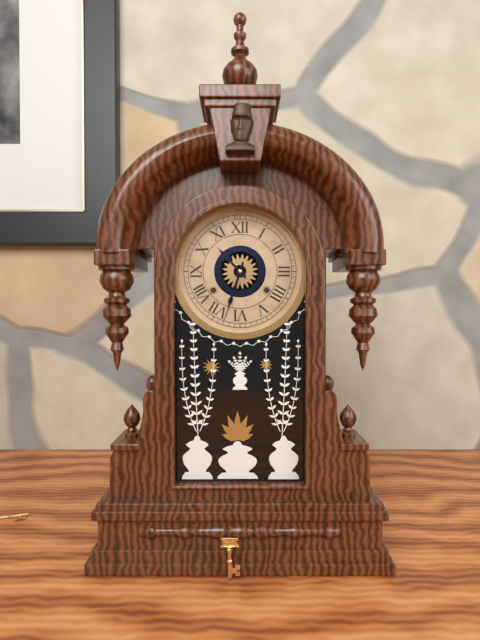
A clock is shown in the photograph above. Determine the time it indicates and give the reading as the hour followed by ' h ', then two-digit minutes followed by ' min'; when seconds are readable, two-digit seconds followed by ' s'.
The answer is 10 h 33 min
